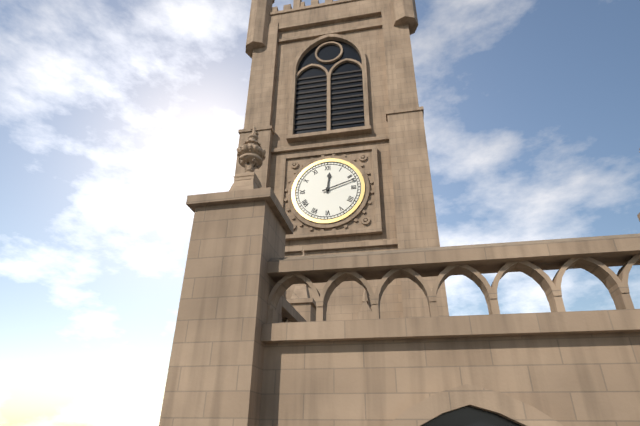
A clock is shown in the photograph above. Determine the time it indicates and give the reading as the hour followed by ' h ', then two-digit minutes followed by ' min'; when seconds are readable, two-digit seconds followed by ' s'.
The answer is 12 h 12 min
